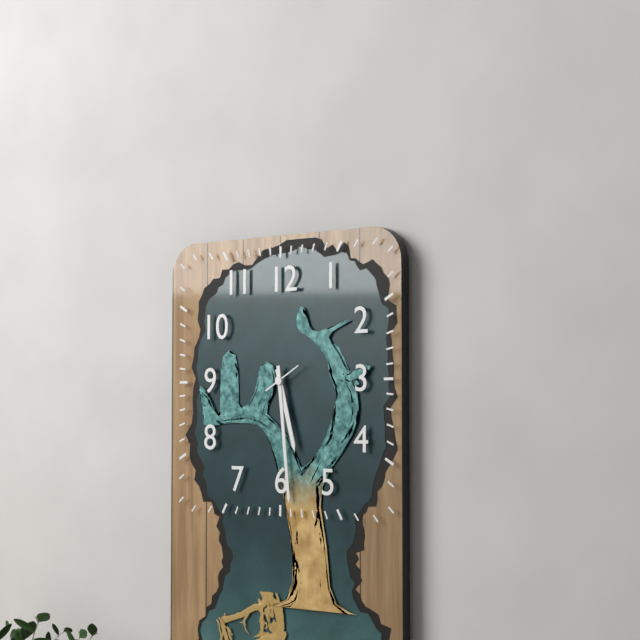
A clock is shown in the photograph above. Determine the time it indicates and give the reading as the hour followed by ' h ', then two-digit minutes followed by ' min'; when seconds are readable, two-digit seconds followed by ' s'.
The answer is 5 h 29 min
